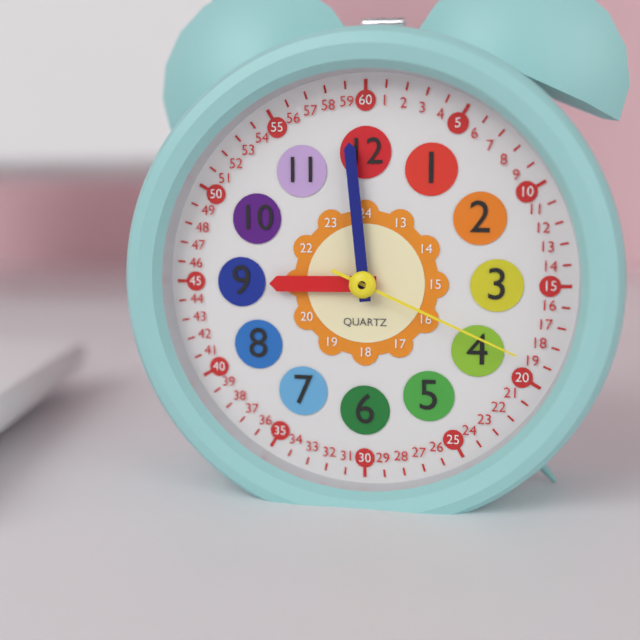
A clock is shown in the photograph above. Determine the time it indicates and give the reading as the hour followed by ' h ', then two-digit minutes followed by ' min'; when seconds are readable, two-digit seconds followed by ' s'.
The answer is 8 h 59 min 19 s
